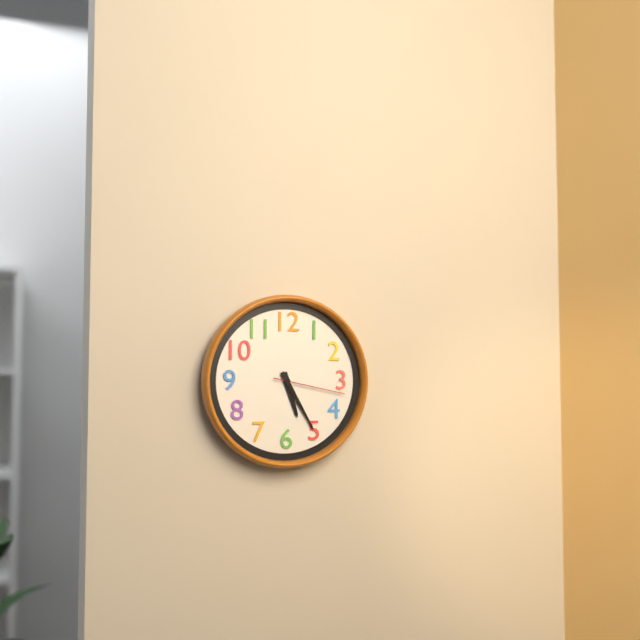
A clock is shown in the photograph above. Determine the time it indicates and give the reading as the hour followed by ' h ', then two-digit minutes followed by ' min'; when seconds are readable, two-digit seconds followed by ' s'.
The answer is 5 h 25 min 17 s
